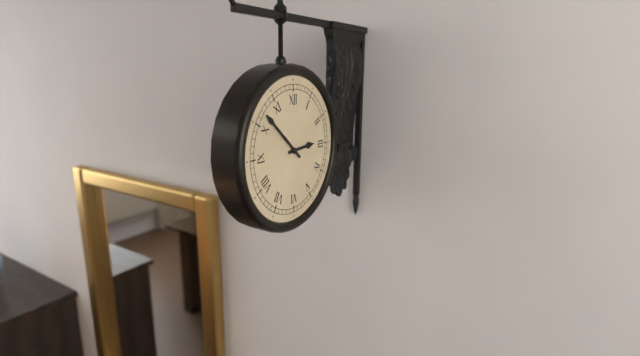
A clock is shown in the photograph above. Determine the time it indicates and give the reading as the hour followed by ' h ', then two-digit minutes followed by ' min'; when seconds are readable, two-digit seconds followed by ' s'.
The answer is 2 h 52 min
